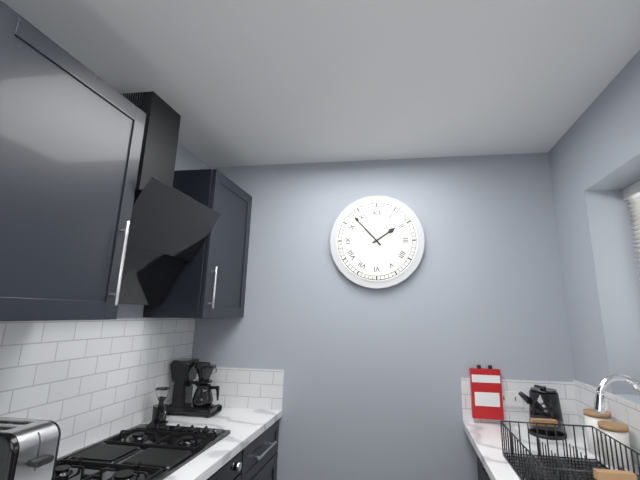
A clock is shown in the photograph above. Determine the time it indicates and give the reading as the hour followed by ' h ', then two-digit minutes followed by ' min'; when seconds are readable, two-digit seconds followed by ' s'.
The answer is 1 h 53 min
